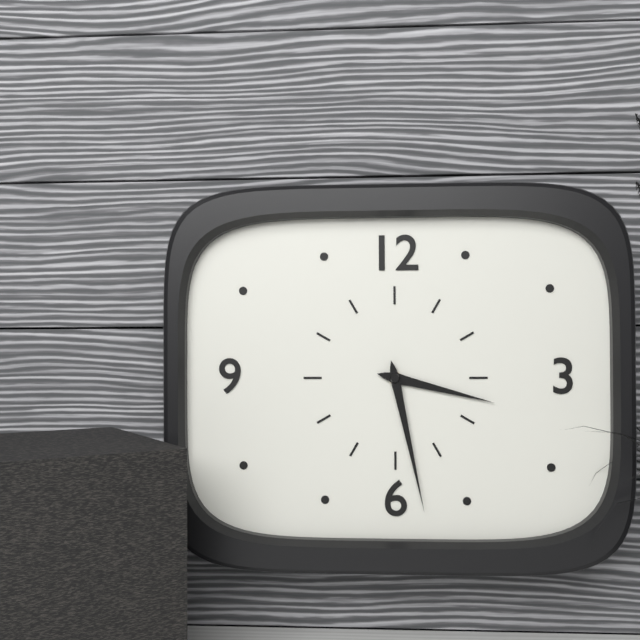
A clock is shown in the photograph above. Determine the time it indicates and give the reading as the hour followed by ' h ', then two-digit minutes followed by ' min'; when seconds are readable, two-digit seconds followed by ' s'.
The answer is 3 h 28 min
